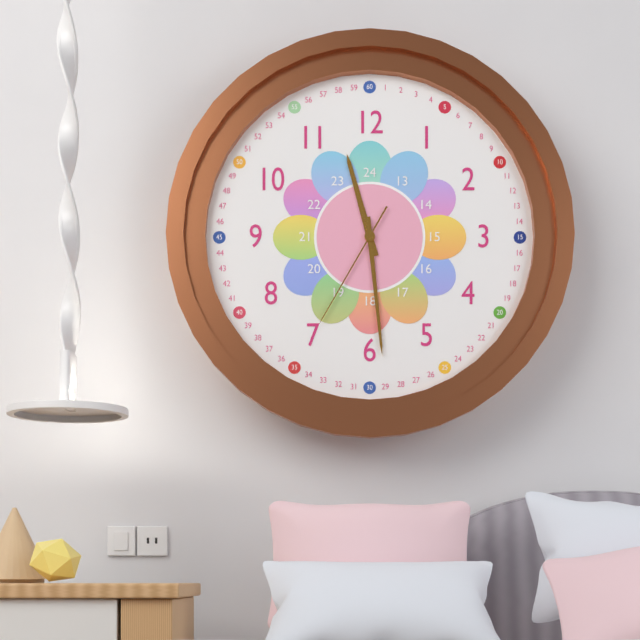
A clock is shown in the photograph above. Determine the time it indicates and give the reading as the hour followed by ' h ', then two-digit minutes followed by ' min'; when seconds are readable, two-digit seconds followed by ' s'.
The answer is 11 h 29 min 35 s
